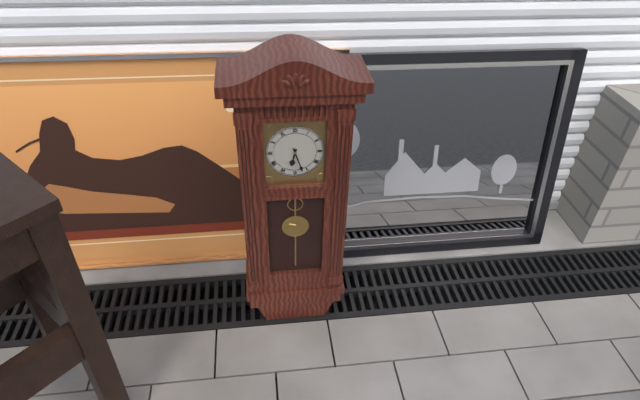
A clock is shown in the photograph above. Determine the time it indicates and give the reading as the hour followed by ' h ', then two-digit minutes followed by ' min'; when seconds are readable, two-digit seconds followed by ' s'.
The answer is 6 h 27 min
